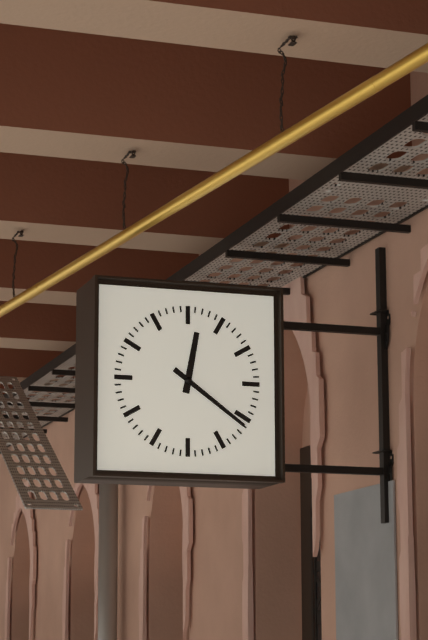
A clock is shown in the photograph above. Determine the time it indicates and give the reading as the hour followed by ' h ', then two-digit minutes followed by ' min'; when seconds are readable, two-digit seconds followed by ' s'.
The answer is 12 h 21 min
